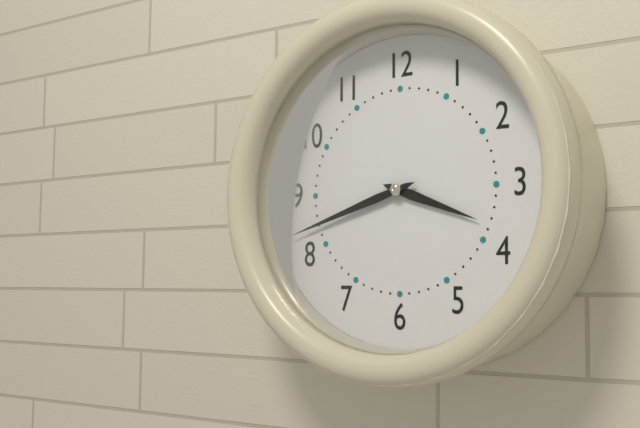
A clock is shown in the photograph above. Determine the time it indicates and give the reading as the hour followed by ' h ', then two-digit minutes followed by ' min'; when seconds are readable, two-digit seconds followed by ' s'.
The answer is 3 h 42 min
